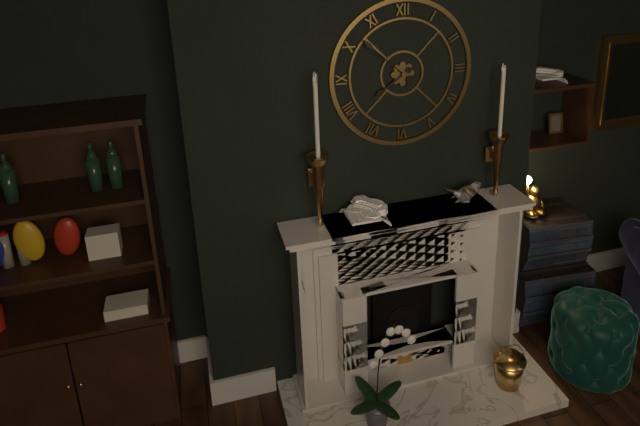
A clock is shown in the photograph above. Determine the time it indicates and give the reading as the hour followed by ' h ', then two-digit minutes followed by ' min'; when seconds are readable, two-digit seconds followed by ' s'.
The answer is 7 h 52 min
